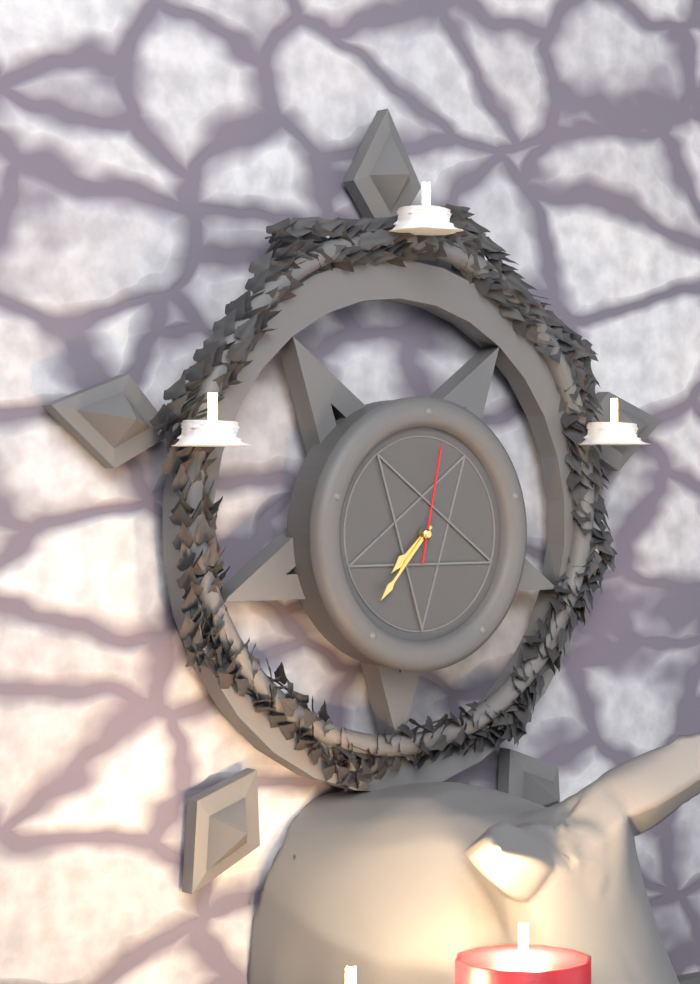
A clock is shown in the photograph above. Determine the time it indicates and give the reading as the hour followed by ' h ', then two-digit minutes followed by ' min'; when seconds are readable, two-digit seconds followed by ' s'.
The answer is 7 h 37 min 02 s
